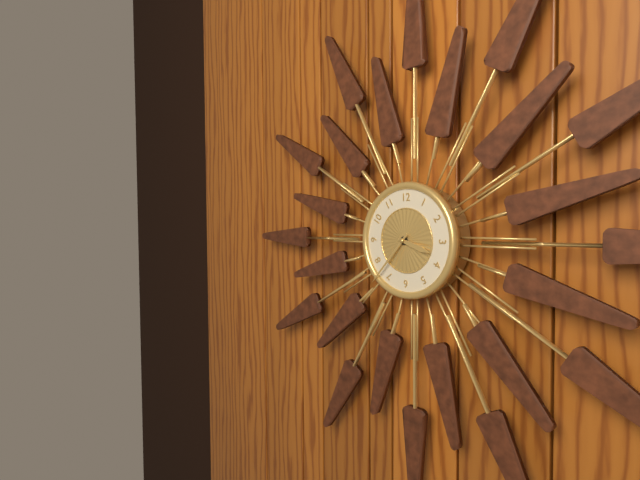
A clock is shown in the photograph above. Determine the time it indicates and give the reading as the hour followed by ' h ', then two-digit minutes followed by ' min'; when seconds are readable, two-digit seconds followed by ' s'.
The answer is 3 h 37 min
